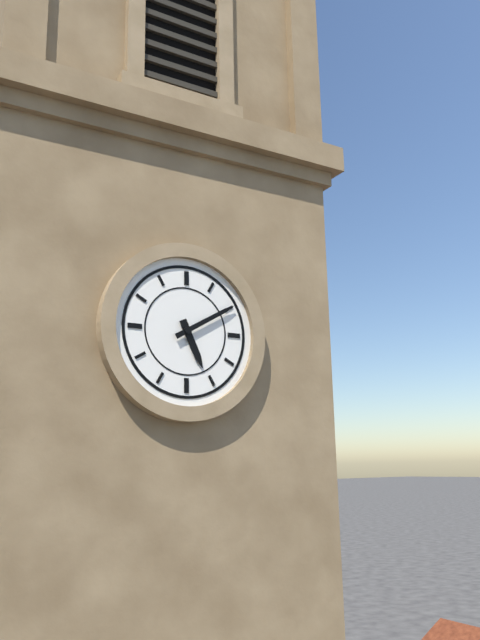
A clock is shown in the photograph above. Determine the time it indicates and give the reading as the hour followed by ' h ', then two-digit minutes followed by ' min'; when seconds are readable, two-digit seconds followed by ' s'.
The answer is 5 h 10 min
